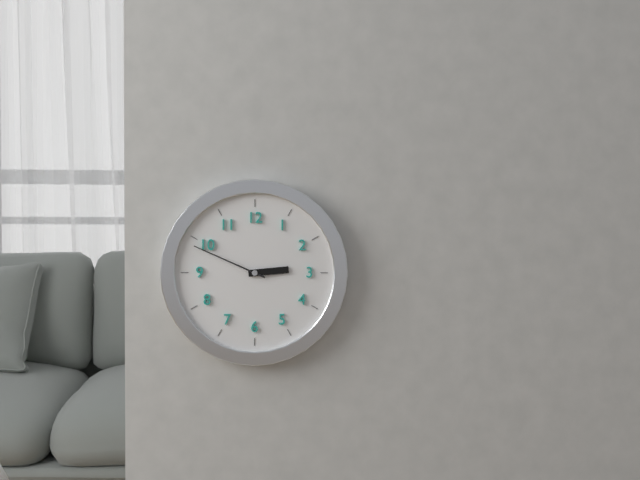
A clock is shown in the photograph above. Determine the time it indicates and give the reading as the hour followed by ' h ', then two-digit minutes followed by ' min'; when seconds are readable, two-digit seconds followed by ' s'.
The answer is 2 h 49 min
